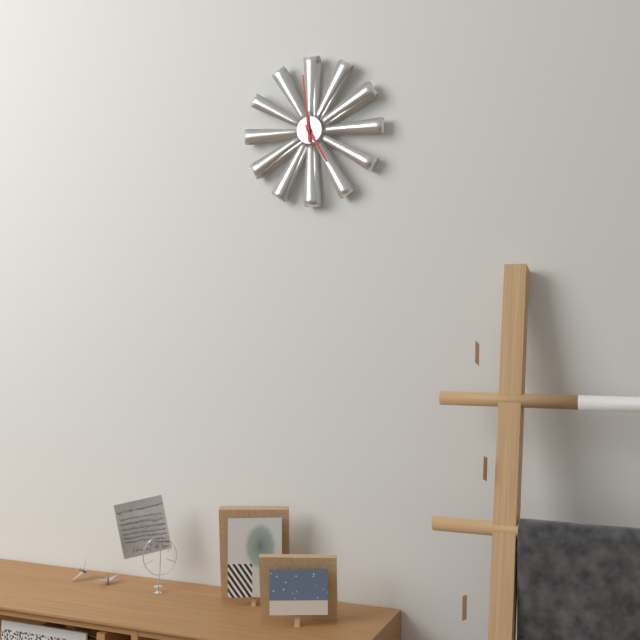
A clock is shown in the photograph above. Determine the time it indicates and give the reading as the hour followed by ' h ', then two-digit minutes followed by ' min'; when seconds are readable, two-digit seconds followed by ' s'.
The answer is 4 h 59 min
